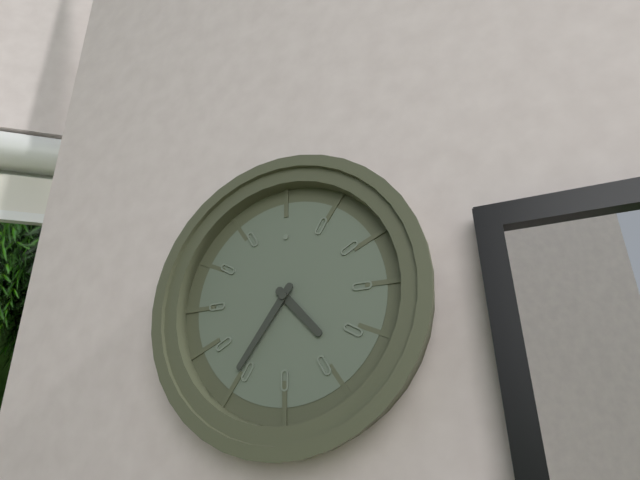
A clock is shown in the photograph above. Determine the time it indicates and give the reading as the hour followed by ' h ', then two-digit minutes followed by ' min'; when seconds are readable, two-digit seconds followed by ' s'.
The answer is 4 h 36 min
